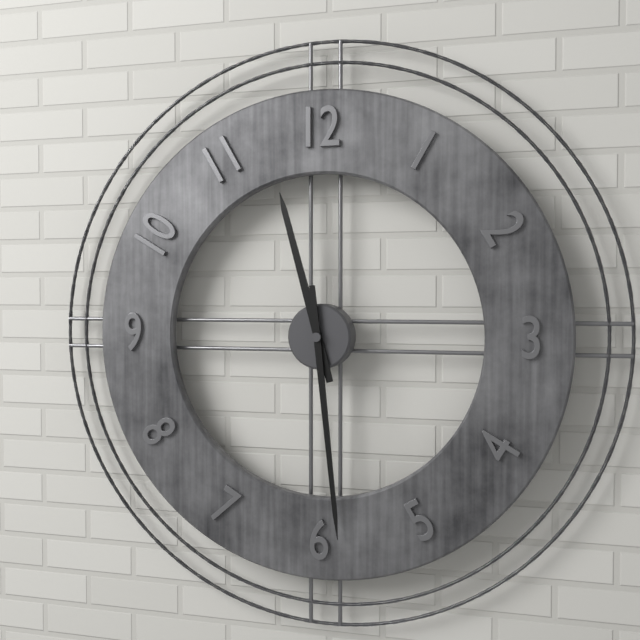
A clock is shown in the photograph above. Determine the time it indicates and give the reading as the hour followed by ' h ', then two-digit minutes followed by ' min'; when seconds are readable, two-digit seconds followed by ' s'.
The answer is 11 h 29 min
